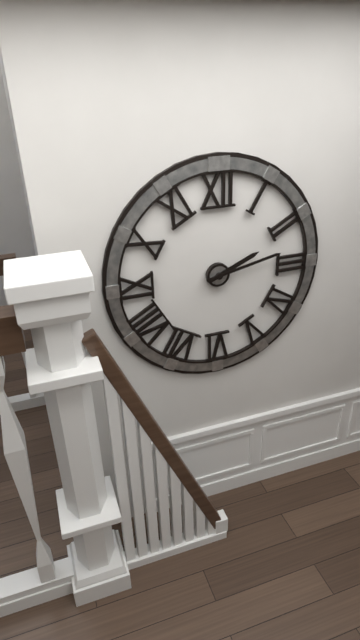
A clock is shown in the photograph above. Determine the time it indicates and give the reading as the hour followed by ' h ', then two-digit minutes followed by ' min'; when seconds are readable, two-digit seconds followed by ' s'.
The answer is 2 h 13 min
